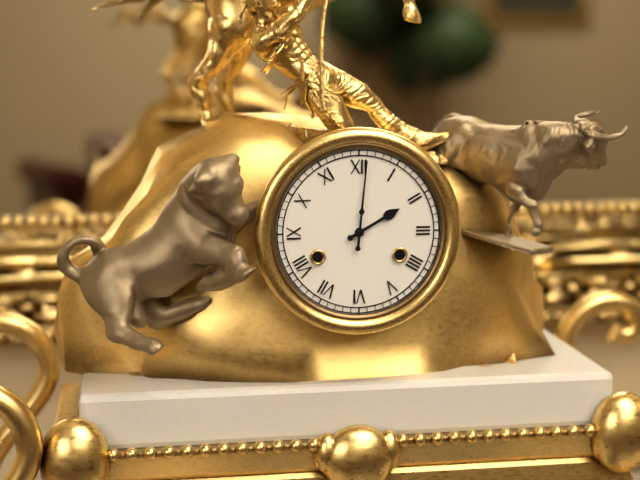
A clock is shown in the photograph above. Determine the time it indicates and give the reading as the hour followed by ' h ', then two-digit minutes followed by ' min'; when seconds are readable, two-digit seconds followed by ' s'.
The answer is 2 h 01 min
